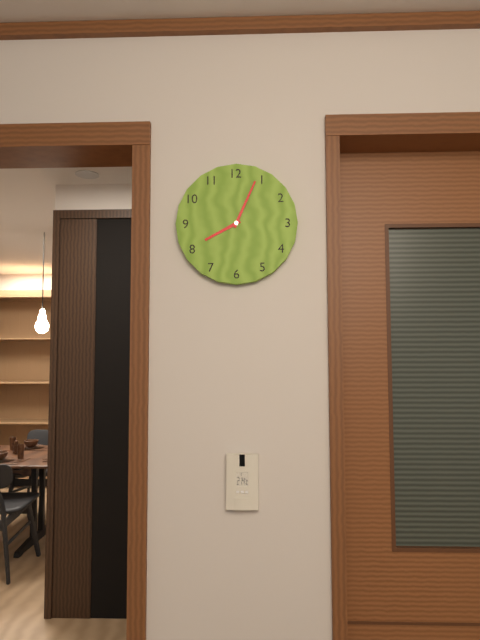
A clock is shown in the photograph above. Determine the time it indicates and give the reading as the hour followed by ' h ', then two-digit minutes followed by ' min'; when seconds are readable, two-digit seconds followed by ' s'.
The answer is 8 h 04 min
